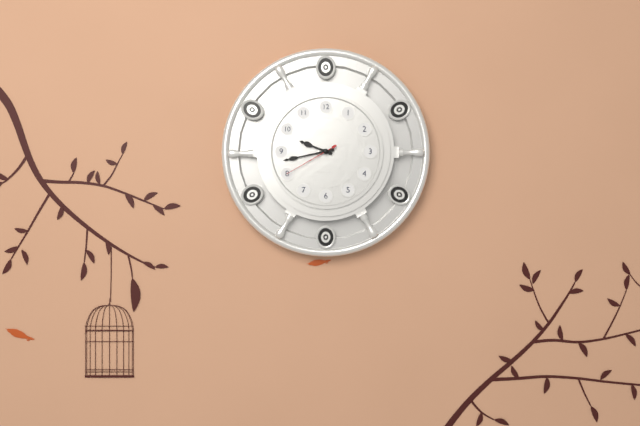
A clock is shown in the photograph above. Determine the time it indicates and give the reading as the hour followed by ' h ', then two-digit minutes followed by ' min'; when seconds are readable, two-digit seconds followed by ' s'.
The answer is 9 h 43 min 40 s
